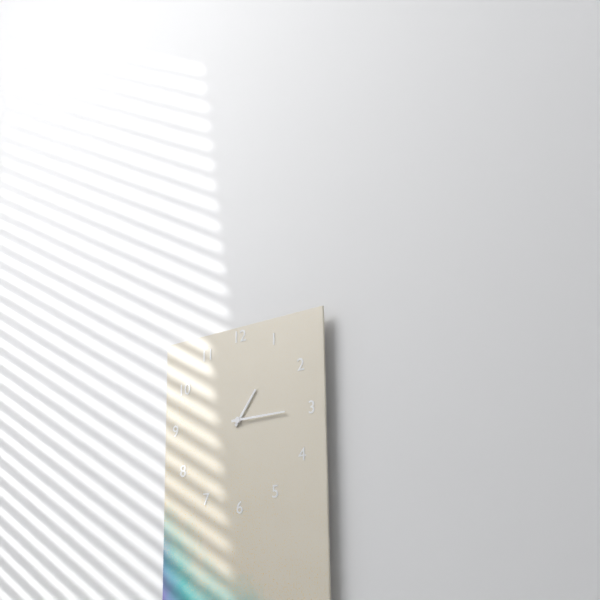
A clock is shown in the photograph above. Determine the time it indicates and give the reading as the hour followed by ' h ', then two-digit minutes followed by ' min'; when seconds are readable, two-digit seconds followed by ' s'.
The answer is 1 h 15 min
